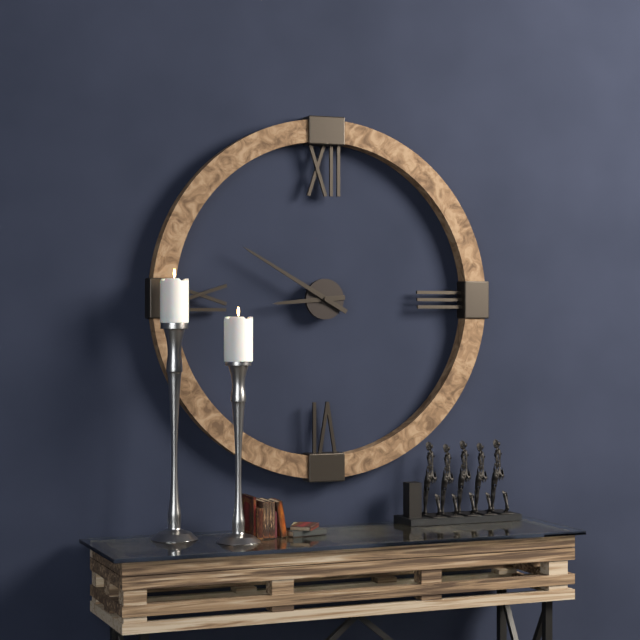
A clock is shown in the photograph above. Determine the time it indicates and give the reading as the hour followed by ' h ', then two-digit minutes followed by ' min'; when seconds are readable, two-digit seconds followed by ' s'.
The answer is 8 h 50 min
